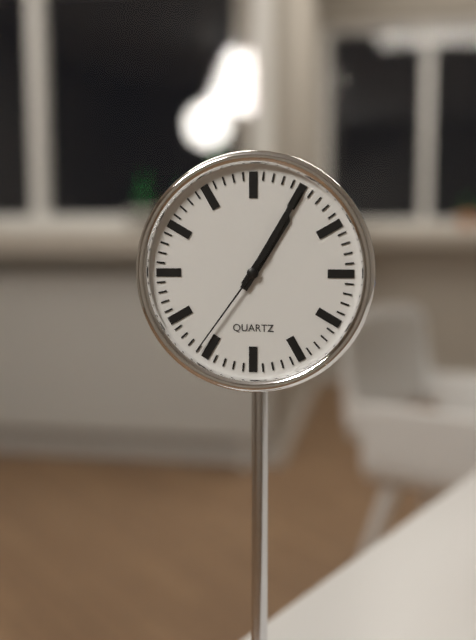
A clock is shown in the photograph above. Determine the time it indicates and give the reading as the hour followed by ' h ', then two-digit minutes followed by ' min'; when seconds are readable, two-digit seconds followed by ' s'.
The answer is 1 h 05 min 36 s
